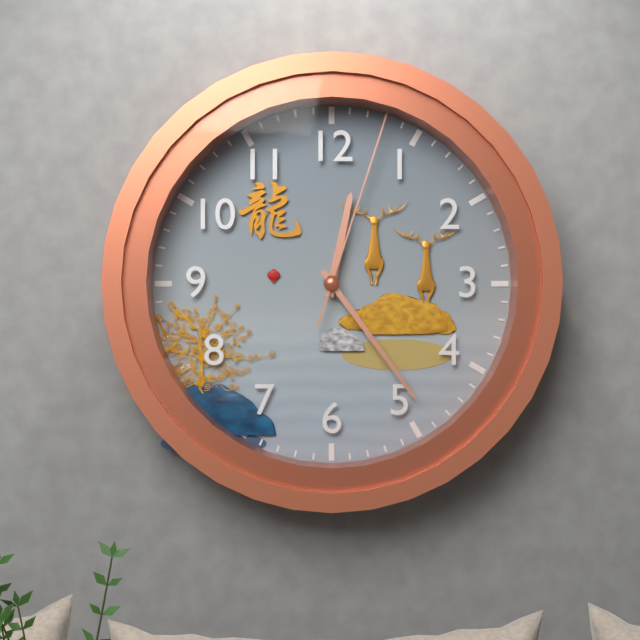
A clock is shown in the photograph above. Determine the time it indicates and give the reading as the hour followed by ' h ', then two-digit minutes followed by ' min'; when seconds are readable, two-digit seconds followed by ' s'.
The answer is 12 h 24 min 03 s
